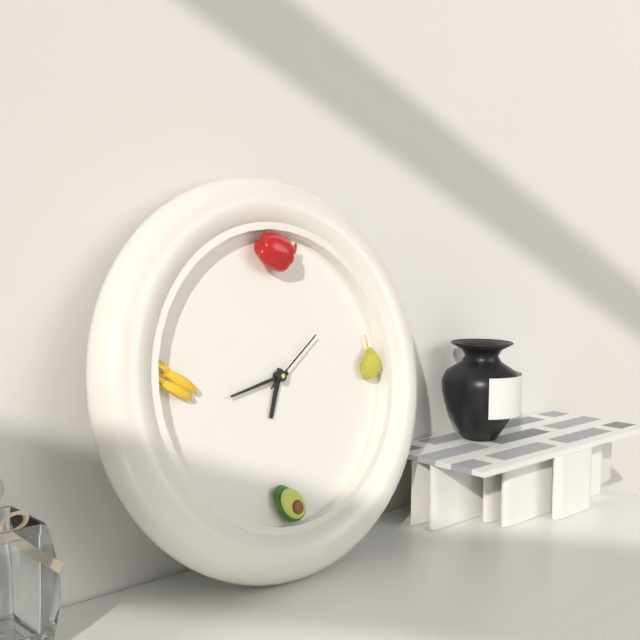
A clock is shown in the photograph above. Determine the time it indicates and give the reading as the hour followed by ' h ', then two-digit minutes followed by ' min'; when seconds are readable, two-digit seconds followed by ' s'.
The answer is 6 h 43 min 09 s
